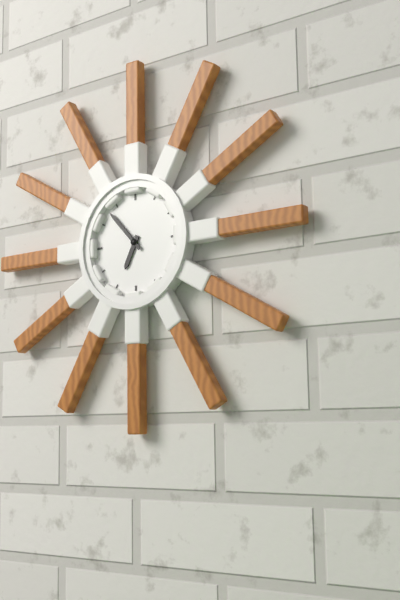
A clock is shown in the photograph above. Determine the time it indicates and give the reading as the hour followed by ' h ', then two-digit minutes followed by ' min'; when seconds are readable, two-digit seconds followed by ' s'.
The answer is 6 h 53 min
